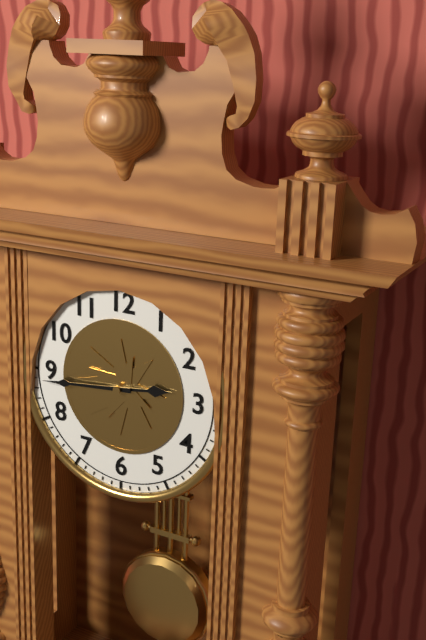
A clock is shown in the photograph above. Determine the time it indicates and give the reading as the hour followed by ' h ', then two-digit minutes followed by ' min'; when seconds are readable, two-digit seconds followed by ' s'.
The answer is 2 h 44 min
